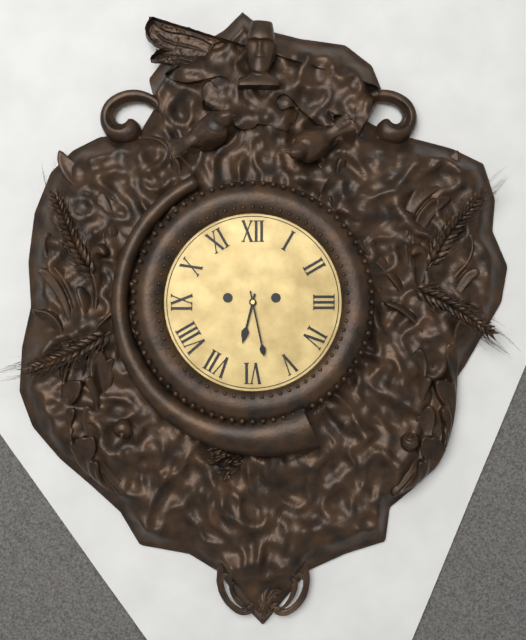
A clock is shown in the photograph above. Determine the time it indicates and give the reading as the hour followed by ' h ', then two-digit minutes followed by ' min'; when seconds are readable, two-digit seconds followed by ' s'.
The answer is 6 h 28 min
